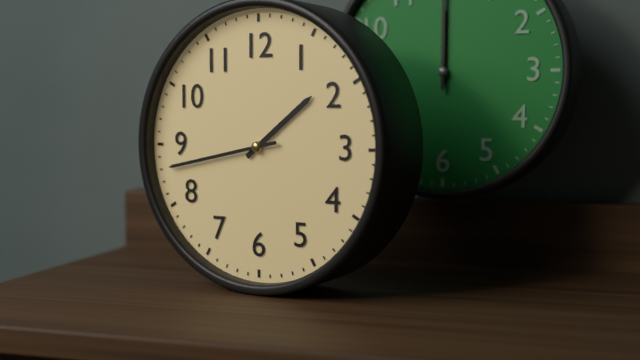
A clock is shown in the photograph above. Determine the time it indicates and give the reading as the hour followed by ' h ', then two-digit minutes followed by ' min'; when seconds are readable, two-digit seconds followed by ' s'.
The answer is 1 h 43 min
